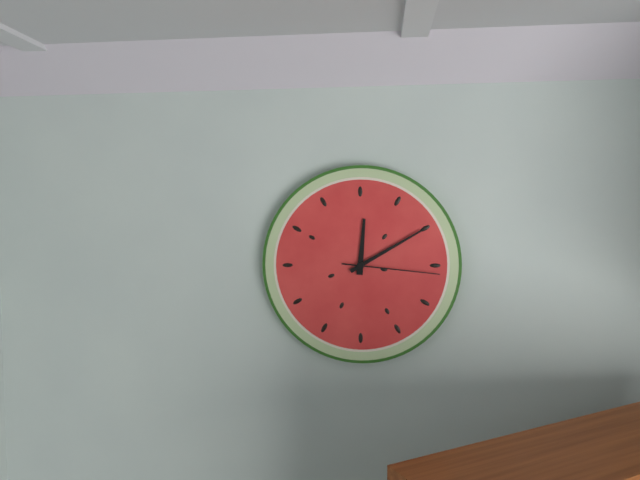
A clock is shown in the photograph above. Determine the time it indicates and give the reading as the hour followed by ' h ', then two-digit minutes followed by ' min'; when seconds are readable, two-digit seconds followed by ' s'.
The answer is 12 h 10 min 16 s
